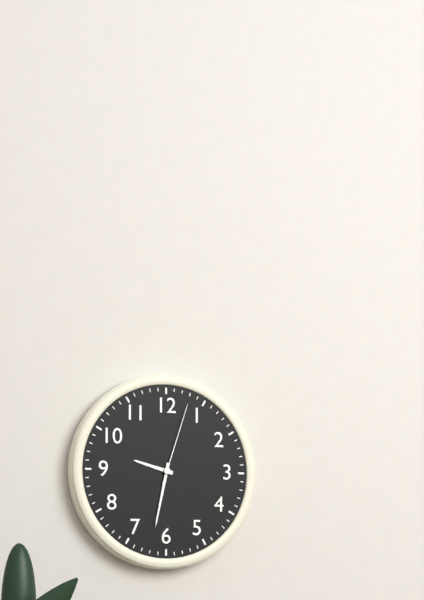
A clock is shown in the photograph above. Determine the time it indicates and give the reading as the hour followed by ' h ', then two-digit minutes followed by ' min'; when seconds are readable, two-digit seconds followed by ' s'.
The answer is 9 h 32 min 03 s
